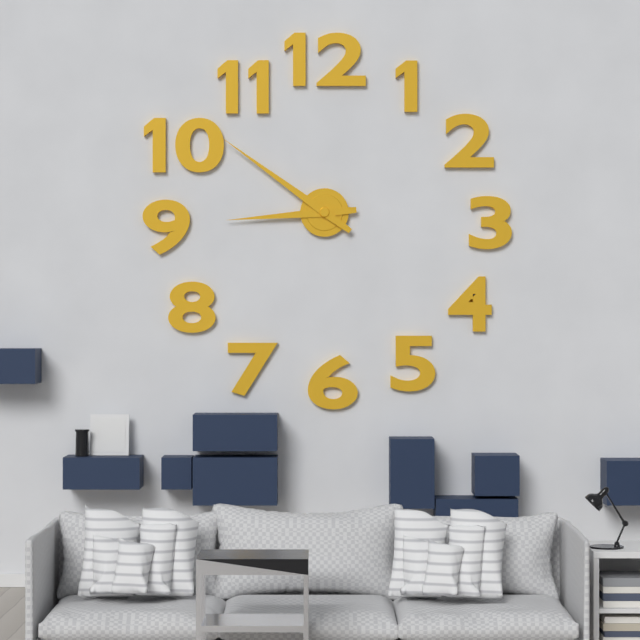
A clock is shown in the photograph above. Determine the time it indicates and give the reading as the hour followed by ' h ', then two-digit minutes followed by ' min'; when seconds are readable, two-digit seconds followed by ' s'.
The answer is 8 h 51 min
